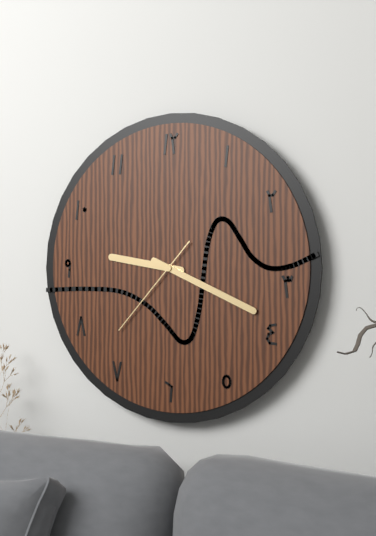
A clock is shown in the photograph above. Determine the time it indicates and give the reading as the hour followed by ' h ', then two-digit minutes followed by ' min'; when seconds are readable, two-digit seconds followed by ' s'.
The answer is 9 h 19 min 37 s
